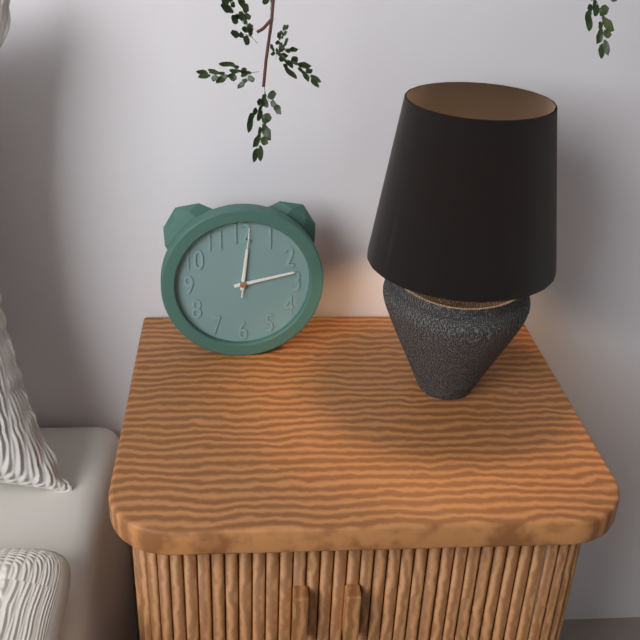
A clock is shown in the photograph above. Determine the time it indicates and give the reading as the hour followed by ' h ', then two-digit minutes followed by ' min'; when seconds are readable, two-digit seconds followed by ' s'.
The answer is 12 h 13 min 01 s
